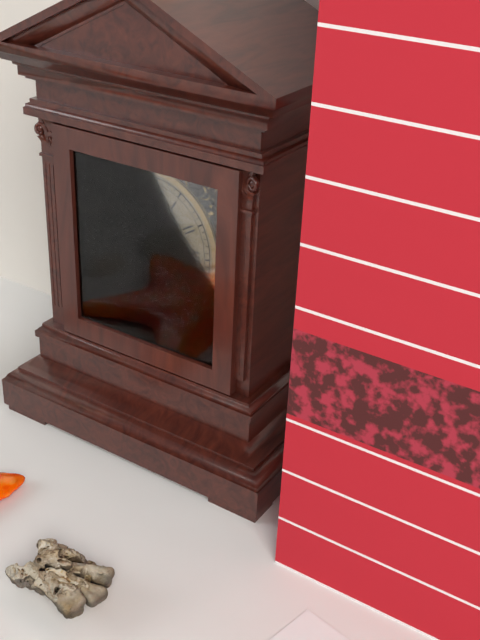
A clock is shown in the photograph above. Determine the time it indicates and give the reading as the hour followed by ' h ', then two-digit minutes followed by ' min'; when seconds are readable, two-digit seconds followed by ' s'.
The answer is 2 h 54 min 40 s
